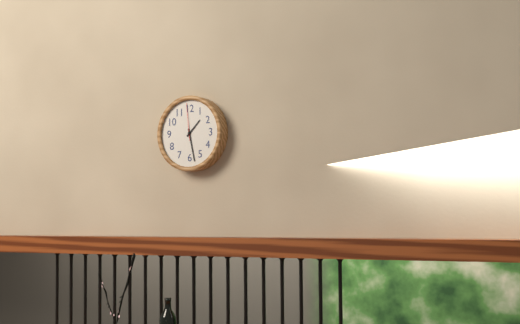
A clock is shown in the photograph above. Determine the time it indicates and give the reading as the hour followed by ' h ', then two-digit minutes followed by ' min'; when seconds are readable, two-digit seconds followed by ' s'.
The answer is 1 h 28 min
